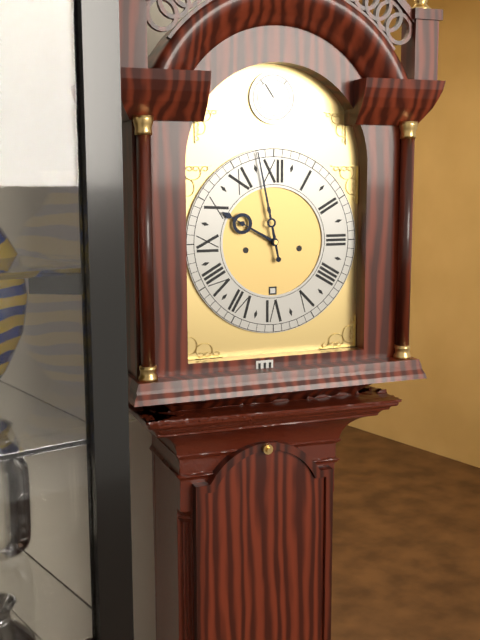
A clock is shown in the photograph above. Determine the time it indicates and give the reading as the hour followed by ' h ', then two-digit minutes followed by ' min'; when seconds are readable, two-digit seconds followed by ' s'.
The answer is 9 h 58 min
